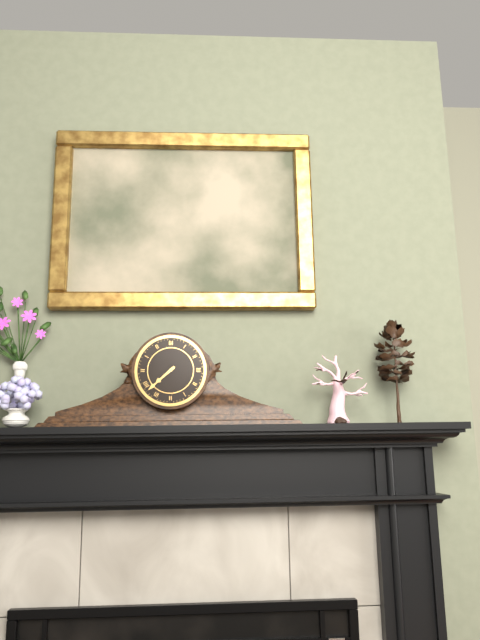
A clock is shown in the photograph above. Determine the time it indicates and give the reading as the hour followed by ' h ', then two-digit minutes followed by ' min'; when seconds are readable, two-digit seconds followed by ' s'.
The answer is 7 h 38 min
